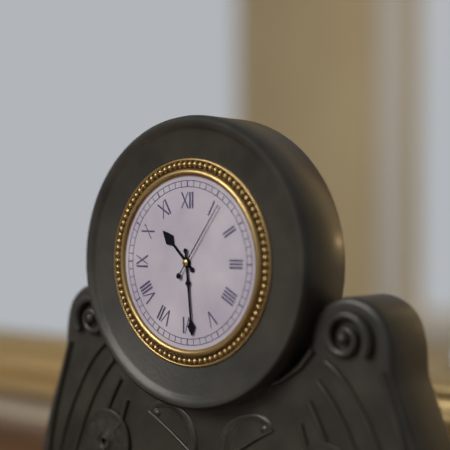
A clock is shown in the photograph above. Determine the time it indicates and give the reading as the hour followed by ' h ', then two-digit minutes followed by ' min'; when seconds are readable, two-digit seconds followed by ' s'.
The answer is 10 h 29 min 06 s
